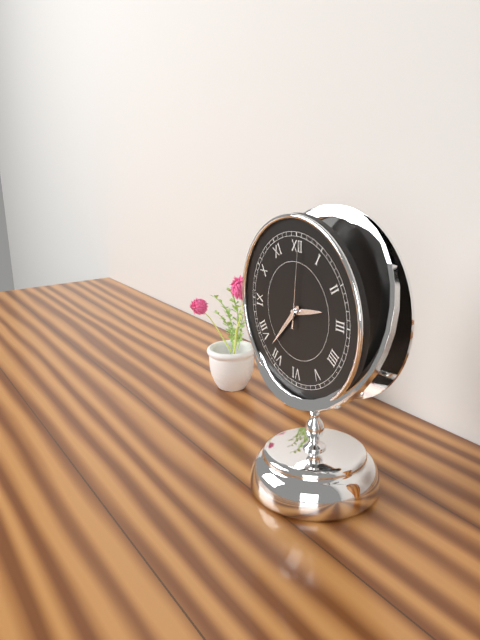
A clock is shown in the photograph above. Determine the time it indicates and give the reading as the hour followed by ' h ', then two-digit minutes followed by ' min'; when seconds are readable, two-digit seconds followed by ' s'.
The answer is 2 h 37 min 01 s
